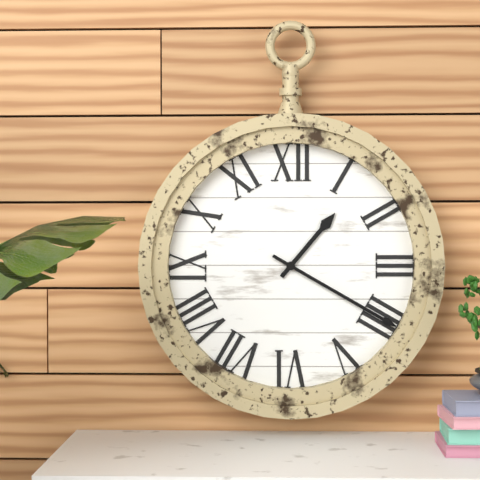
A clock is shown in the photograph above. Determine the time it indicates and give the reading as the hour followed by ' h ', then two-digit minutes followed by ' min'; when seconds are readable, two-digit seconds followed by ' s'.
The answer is 1 h 20 min
